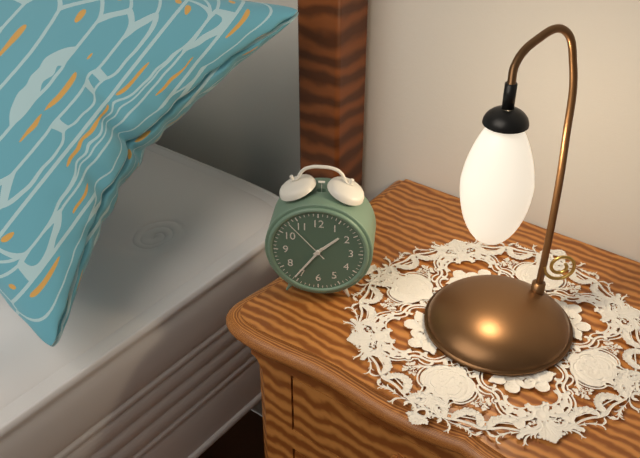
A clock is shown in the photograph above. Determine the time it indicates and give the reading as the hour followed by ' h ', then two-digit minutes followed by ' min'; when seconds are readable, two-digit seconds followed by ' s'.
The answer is 1 h 36 min 53 s
